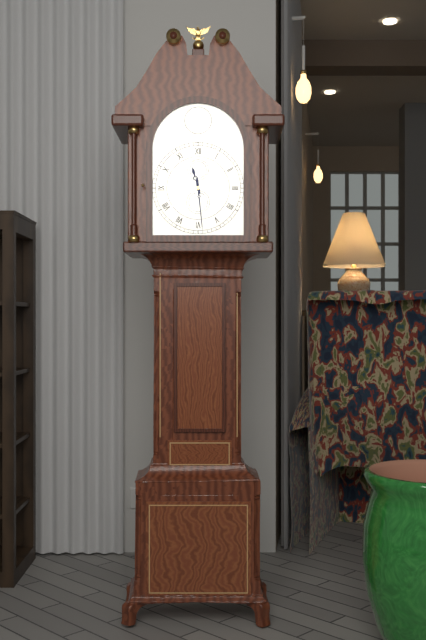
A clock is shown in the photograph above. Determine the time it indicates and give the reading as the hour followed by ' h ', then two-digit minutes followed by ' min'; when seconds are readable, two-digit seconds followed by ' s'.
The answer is 11 h 29 min
